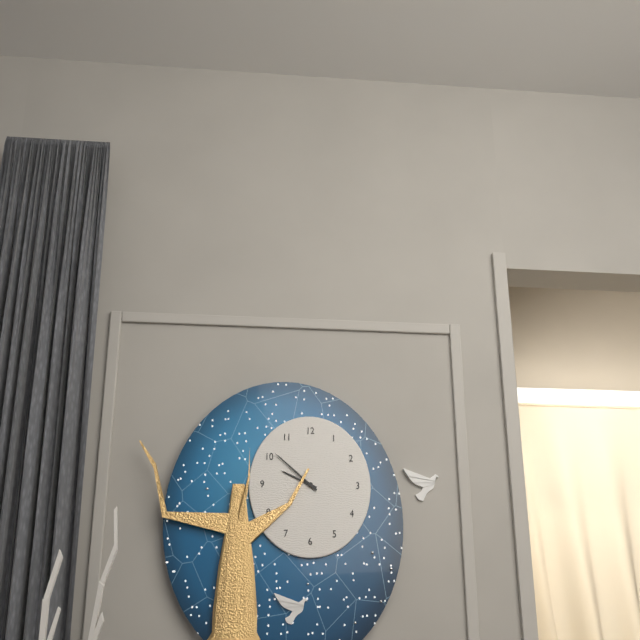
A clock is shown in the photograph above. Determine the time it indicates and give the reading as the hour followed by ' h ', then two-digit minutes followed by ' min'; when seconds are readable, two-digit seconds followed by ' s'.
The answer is 9 h 52 min
